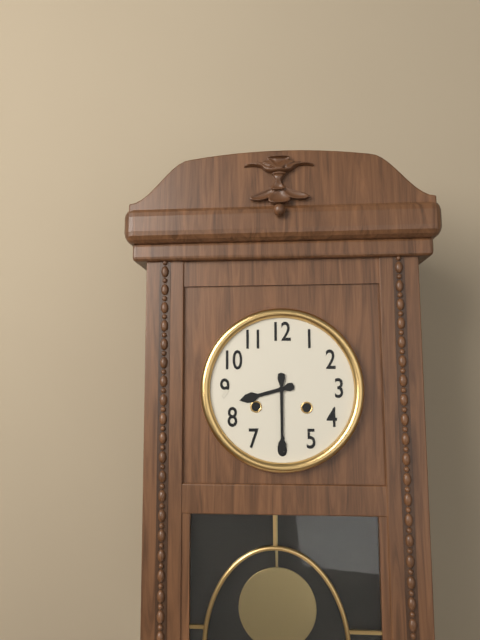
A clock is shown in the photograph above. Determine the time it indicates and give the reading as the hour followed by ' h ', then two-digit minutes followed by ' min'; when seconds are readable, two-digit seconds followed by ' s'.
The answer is 8 h 30 min
